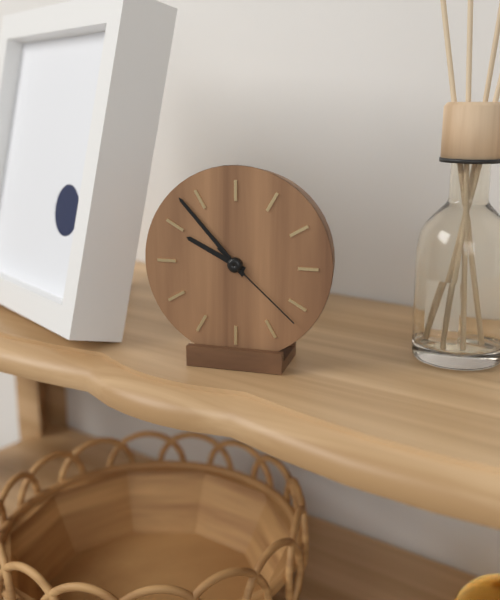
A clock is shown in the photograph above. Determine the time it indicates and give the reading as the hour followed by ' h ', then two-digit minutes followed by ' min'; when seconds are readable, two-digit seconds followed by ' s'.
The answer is 9 h 53 min 22 s
